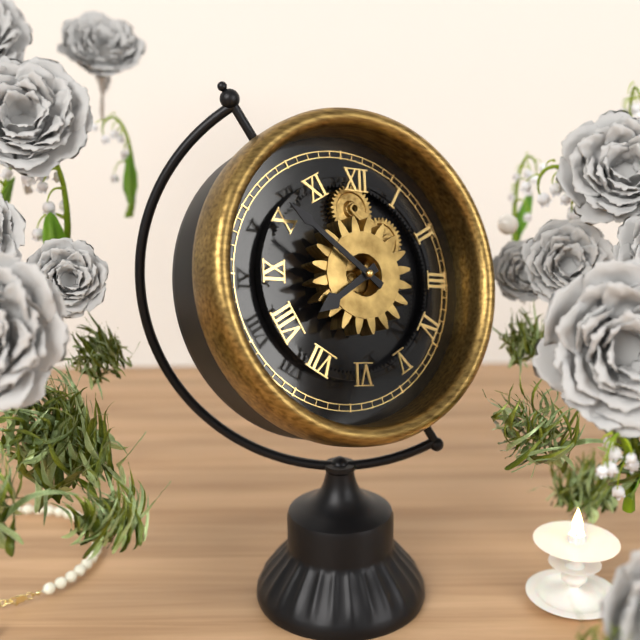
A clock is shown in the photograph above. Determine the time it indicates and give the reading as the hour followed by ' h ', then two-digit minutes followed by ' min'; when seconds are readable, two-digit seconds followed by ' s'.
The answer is 7 h 51 min
